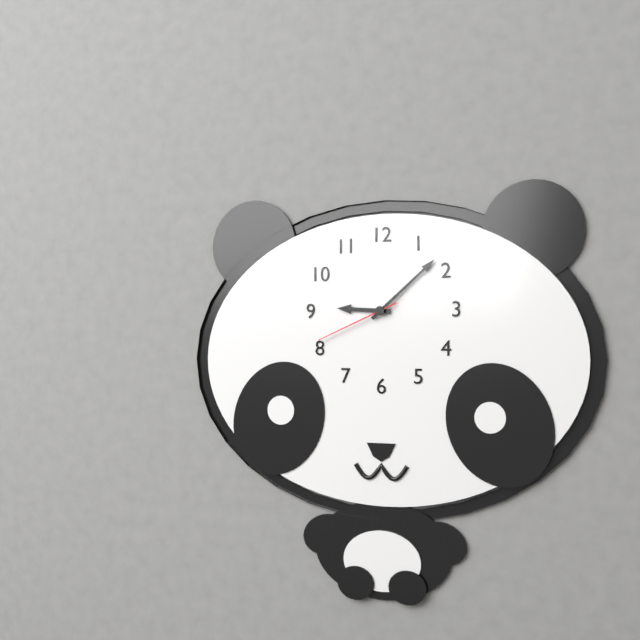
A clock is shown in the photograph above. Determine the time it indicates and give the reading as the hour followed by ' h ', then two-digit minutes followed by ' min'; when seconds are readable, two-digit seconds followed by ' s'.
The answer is 9 h 08 min 41 s
